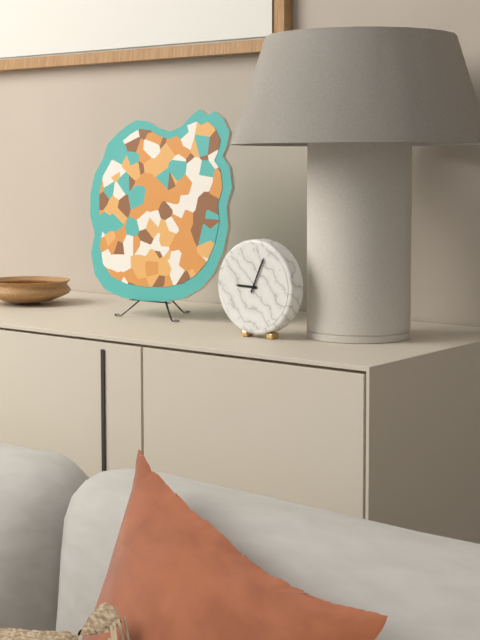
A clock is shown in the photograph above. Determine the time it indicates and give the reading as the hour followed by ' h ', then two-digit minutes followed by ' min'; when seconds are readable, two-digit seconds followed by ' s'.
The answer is 9 h 04 min
